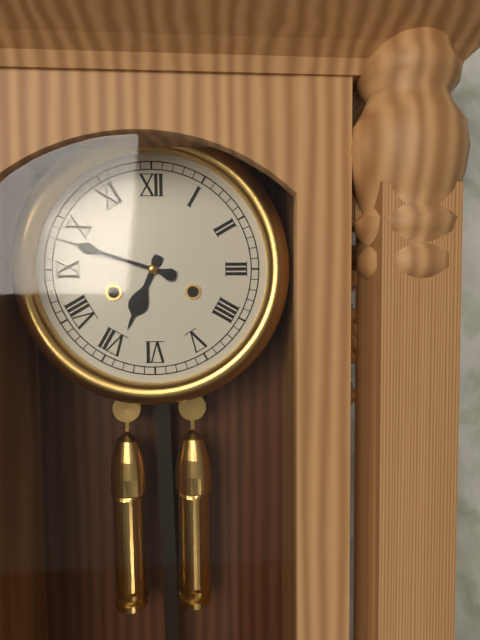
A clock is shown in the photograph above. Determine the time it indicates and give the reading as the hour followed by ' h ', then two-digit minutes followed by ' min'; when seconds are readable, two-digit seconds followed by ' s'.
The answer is 6 h 48 min
